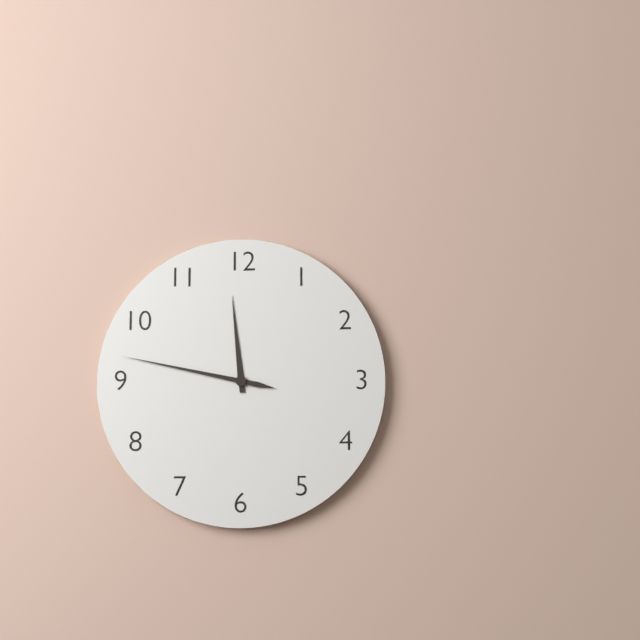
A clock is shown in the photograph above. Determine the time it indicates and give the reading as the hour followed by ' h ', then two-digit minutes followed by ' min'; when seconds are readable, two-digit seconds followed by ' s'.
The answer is 11 h 47 min
